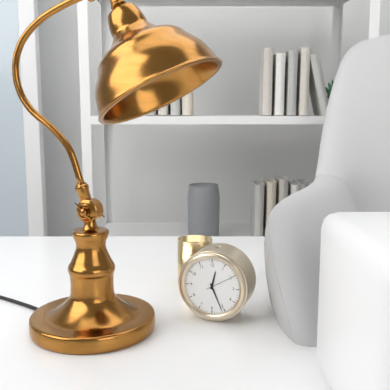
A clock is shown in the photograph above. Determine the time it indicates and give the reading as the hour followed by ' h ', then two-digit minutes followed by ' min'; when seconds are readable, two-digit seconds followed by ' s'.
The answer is 12 h 26 min
